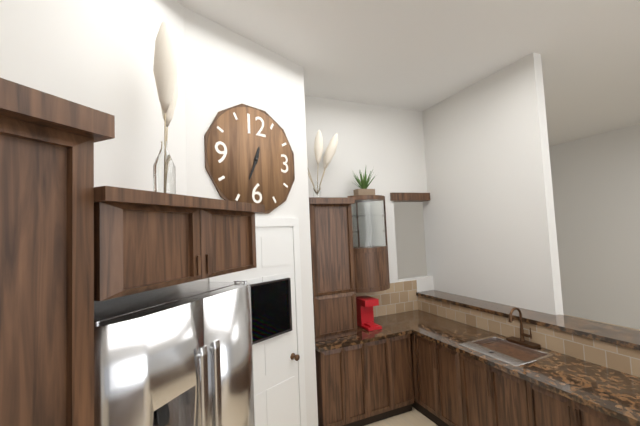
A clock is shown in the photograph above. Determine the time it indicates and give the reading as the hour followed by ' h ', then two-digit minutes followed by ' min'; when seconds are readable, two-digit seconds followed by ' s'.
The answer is 12 h 34 min
